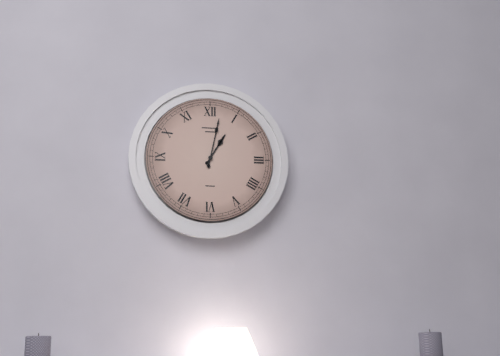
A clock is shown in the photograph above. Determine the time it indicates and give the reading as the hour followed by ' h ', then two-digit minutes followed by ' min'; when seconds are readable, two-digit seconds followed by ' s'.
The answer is 1 h 02 min
